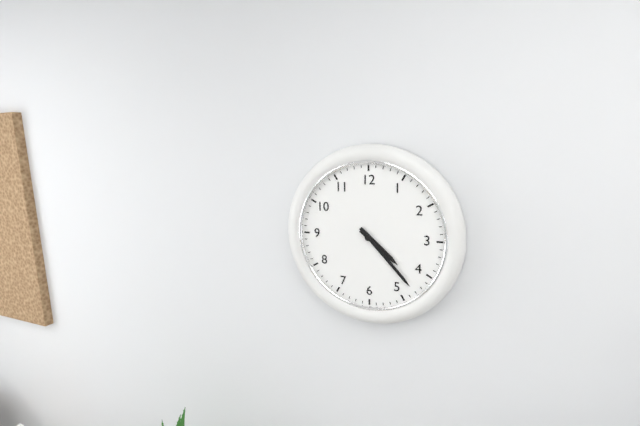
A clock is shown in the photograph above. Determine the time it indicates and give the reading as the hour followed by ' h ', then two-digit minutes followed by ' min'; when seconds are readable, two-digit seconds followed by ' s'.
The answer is 4 h 23 min
